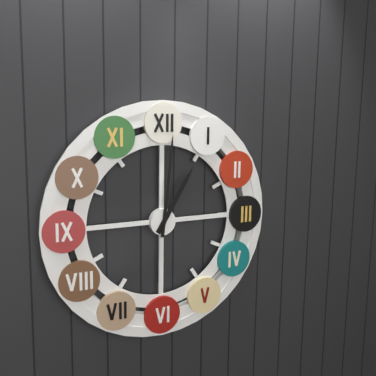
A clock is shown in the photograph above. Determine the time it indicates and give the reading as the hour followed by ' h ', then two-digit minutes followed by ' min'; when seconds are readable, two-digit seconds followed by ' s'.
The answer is 1 h 01 min
